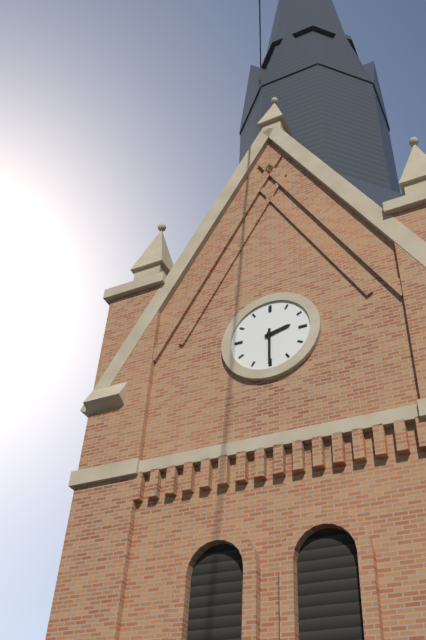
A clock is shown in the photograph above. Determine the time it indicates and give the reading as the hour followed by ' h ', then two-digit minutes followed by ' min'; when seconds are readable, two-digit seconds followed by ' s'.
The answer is 2 h 30 min
